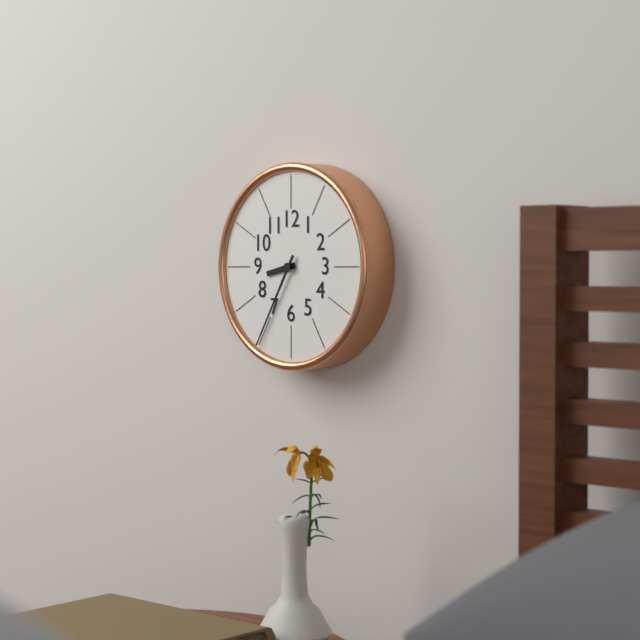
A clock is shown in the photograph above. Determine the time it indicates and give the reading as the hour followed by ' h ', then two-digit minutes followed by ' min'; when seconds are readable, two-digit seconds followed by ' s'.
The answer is 8 h 35 min
